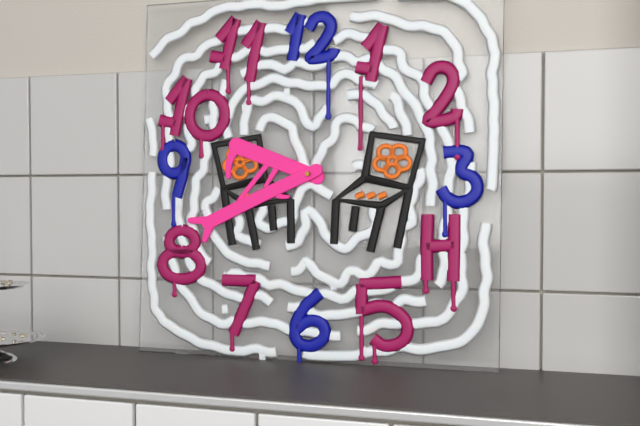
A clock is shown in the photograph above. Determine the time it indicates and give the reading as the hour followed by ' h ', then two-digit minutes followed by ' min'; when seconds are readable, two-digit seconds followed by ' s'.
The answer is 9 h 41 min
